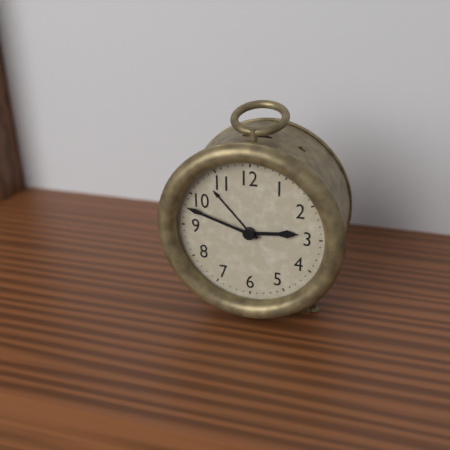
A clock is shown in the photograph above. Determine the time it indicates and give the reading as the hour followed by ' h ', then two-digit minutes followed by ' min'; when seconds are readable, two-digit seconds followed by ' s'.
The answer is 2 h 48 min
